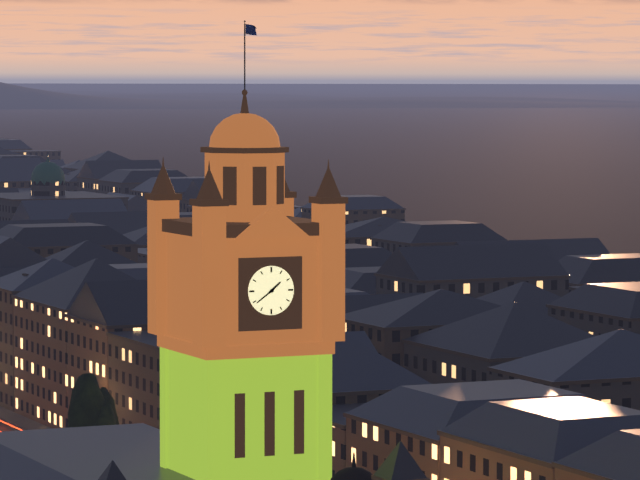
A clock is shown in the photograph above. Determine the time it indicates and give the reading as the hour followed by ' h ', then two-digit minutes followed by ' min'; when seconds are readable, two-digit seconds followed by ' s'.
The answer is 1 h 39 min
